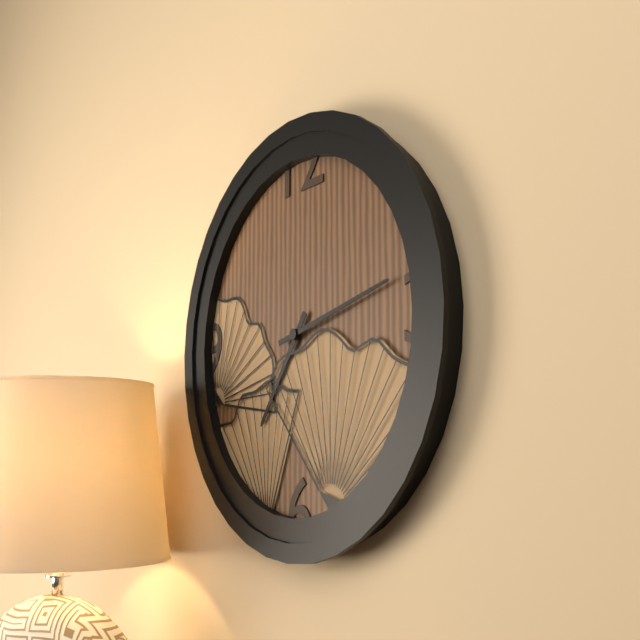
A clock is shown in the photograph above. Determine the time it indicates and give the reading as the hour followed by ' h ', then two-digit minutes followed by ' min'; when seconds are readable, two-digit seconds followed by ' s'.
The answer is 7 h 13 min
